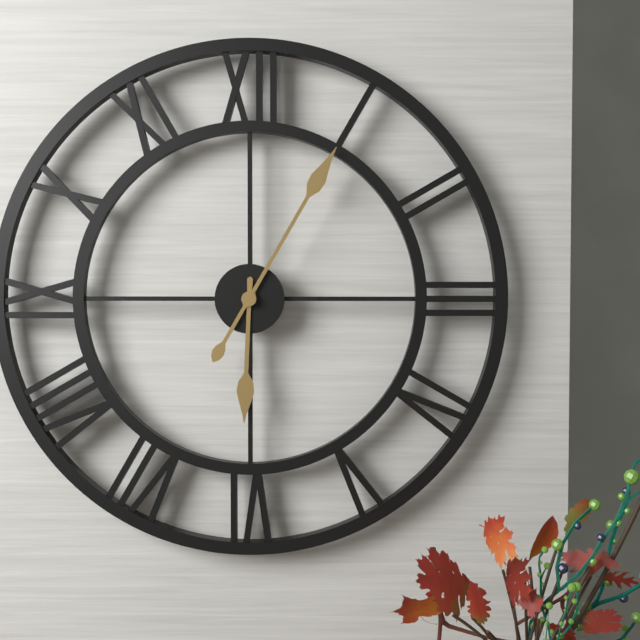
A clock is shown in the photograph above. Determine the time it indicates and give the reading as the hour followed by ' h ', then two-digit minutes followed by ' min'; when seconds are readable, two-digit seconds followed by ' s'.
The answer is 6 h 05 min
